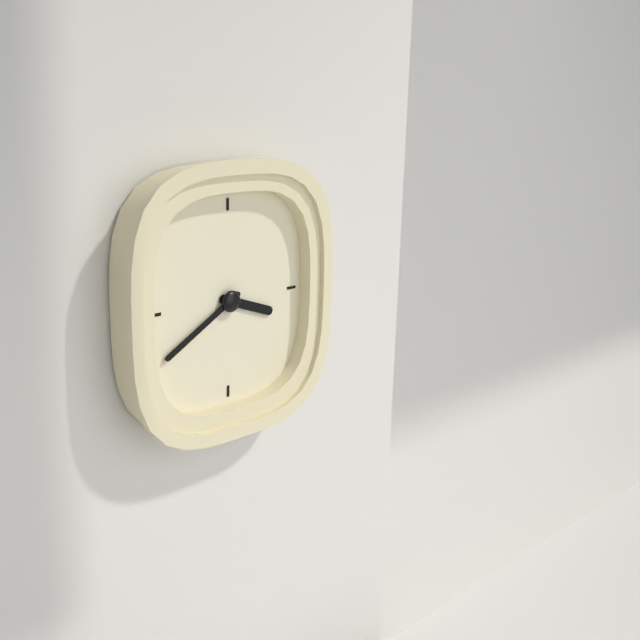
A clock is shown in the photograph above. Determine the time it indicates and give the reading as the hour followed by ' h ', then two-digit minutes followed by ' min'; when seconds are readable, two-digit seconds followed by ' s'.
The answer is 3 h 40 min
